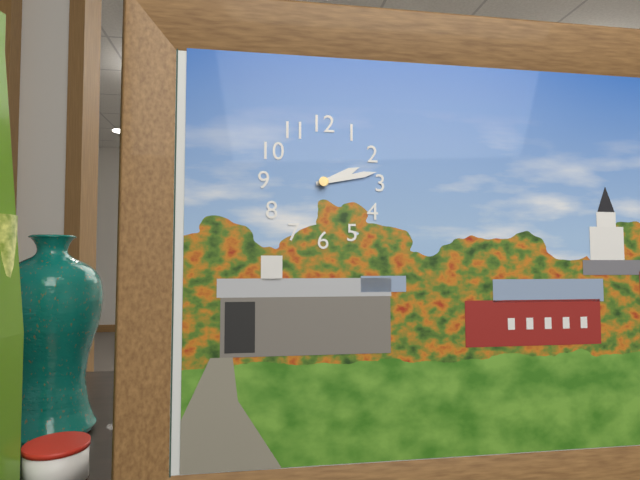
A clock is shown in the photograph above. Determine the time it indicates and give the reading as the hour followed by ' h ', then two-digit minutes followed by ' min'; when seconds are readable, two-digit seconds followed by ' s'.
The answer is 2 h 13 min
